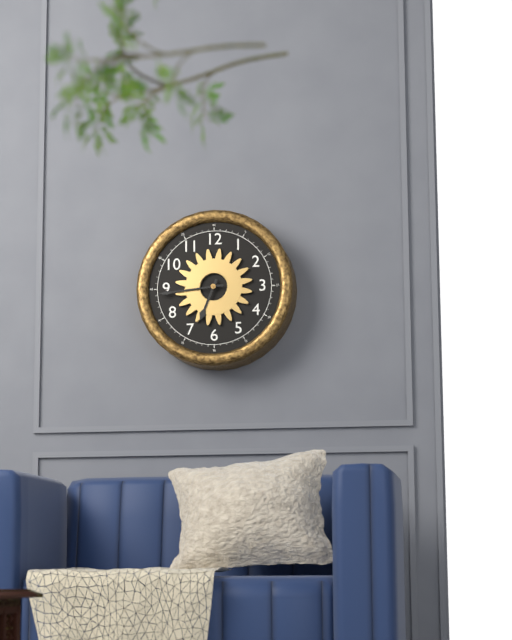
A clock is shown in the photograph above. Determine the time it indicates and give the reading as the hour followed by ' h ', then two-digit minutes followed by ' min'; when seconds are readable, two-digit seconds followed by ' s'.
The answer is 6 h 44 min
